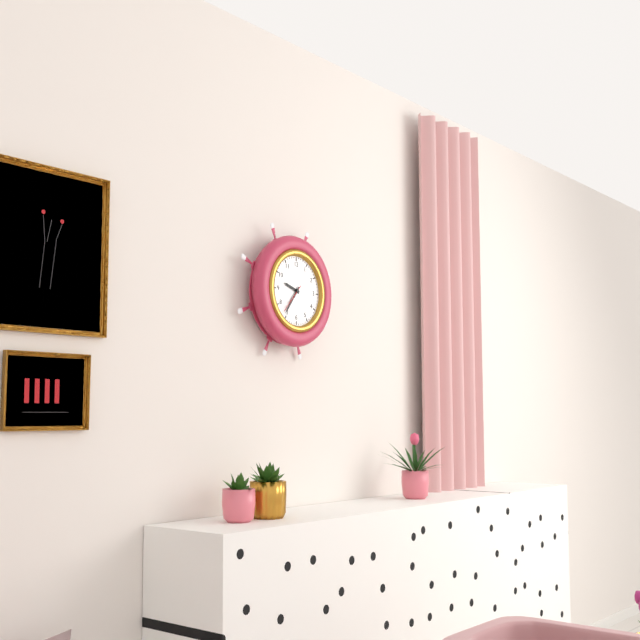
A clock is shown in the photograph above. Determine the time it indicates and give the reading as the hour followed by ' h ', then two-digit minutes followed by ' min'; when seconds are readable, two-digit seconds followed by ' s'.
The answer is 9 h 36 min
